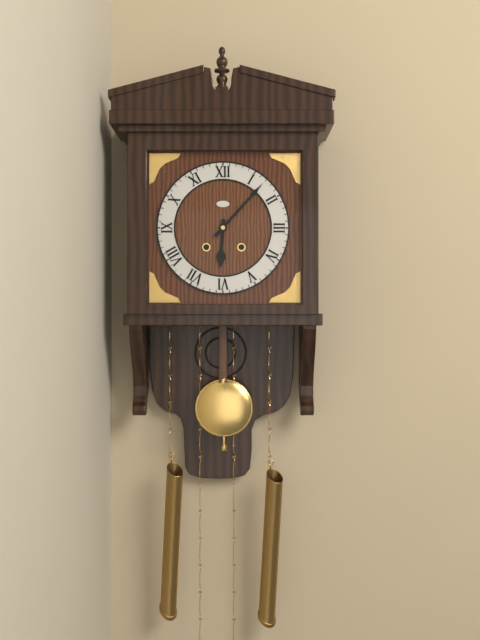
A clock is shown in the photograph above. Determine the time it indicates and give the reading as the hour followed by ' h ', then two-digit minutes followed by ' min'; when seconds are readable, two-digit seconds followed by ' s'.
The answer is 6 h 07 min
